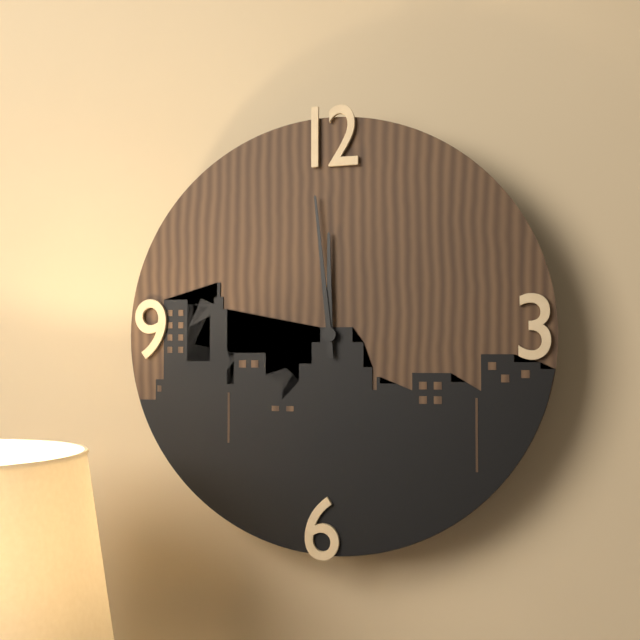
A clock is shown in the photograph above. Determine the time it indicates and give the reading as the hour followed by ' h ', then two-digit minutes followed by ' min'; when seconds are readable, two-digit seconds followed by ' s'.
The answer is 11 h 59 min
